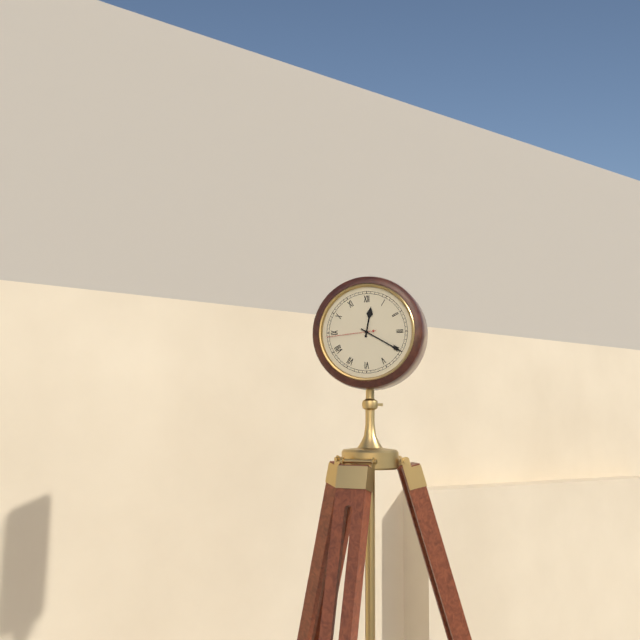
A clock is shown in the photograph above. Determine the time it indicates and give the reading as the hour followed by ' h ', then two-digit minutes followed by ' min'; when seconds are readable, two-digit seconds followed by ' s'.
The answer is 12 h 20 min 44 s
